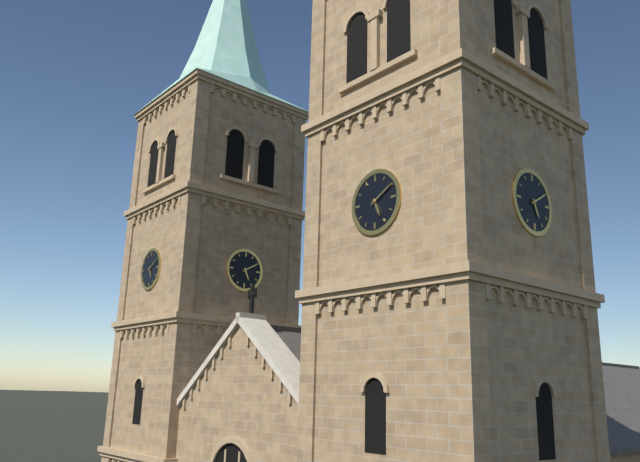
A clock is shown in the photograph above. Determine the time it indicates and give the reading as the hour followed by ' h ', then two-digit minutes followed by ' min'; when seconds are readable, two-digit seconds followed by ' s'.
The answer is 5 h 10 min
